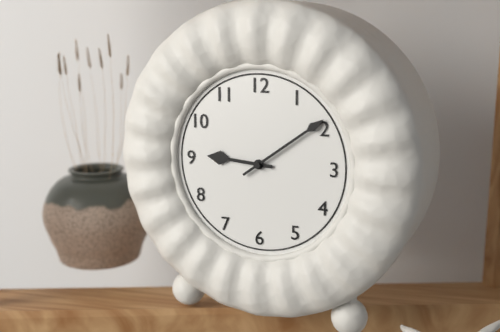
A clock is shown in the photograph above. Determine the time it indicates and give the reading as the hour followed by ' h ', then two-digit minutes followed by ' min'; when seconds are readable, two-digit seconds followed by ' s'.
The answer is 9 h 09 min
